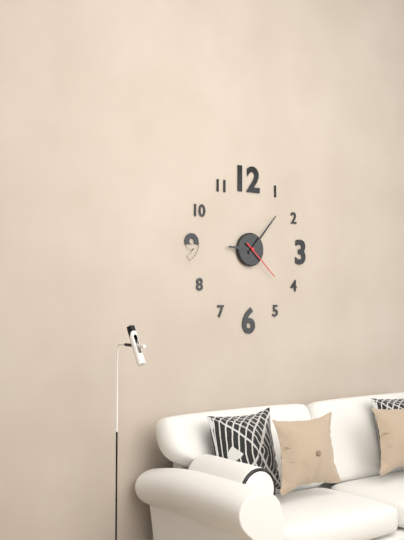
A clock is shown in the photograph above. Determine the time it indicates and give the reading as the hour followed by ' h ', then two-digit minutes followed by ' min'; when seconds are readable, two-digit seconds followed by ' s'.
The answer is 9 h 07 min
